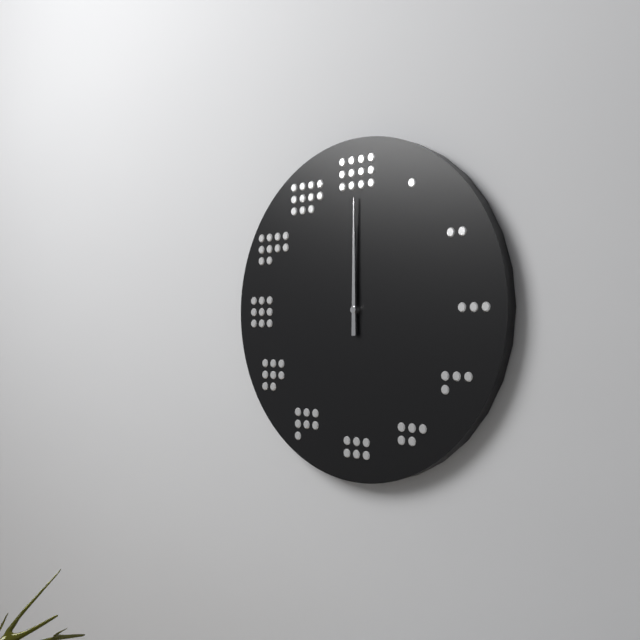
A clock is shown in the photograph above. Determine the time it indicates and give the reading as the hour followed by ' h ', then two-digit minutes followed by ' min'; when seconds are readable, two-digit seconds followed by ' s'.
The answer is 12 h 00 min
